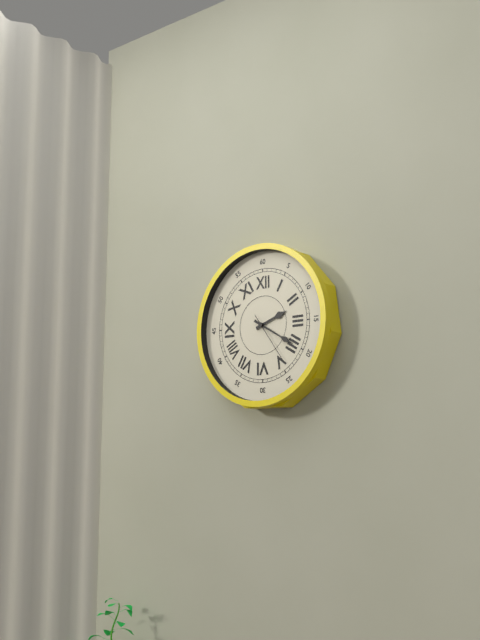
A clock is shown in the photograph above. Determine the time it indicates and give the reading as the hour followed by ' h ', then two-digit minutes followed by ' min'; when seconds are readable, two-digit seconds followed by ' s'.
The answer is 2 h 20 min 24 s
